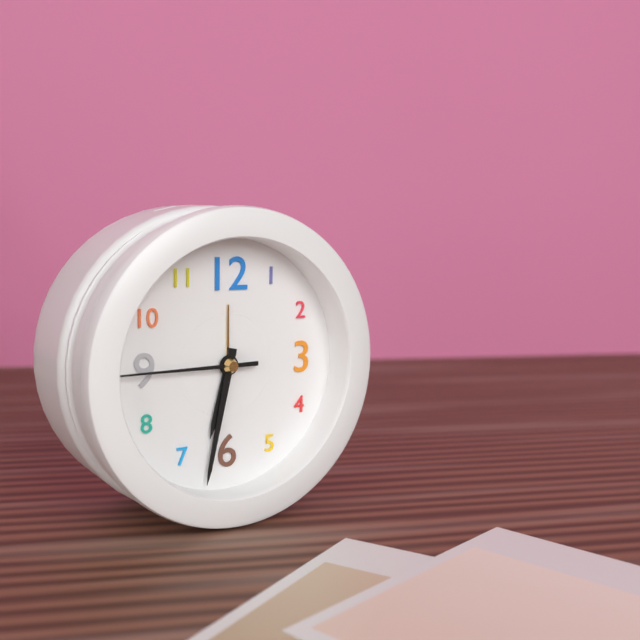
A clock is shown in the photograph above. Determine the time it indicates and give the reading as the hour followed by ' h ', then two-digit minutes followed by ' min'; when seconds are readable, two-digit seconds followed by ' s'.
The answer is 6 h 32 min 45 s
